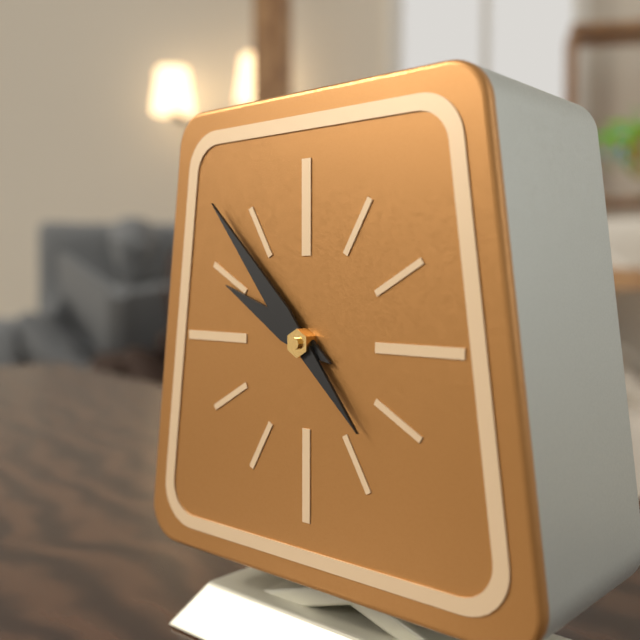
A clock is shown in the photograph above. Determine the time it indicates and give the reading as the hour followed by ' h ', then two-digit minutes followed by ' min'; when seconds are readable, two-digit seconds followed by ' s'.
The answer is 9 h 53 min
